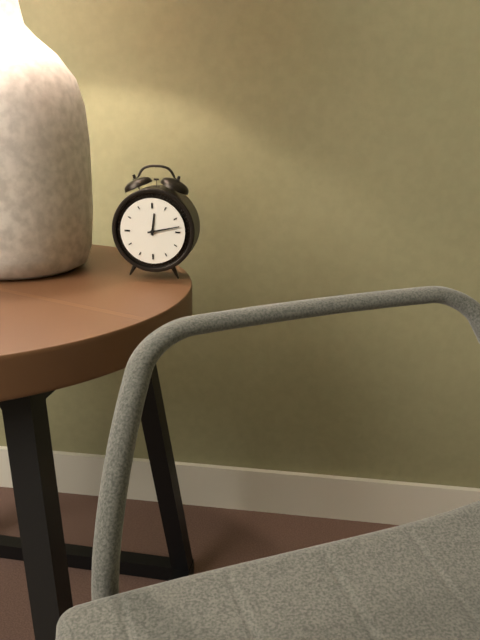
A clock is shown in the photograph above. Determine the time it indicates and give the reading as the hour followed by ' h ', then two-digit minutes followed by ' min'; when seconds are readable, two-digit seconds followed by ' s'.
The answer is 12 h 13 min
